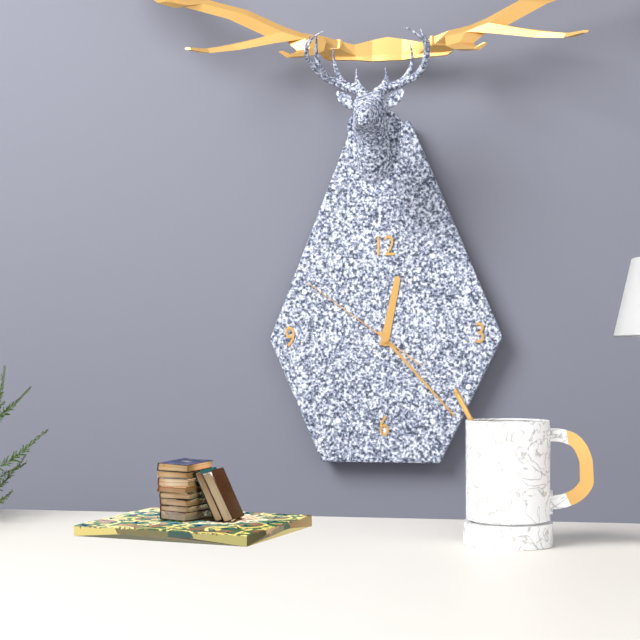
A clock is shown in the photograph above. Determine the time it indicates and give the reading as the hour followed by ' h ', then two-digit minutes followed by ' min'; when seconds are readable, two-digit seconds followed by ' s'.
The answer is 12 h 23 min 51 s
